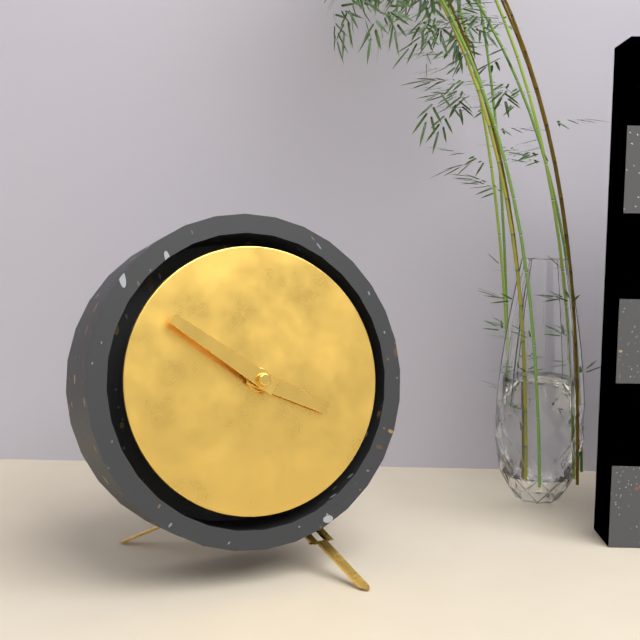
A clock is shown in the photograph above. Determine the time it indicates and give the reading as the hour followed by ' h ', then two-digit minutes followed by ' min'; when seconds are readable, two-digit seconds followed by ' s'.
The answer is 3 h 51 min
